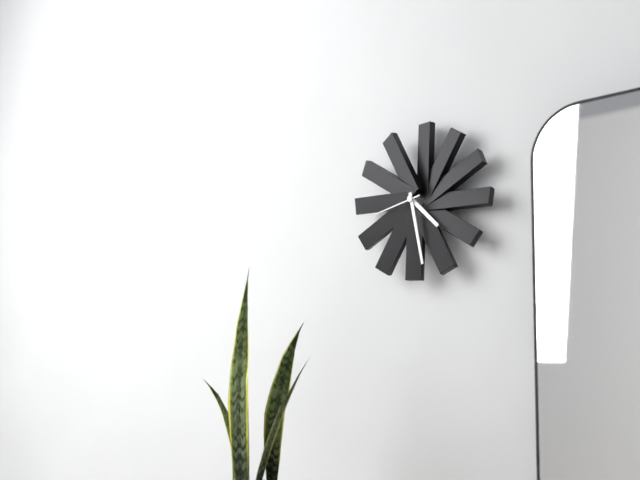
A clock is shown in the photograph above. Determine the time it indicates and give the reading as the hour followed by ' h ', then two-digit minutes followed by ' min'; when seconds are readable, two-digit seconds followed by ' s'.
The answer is 4 h 28 min
